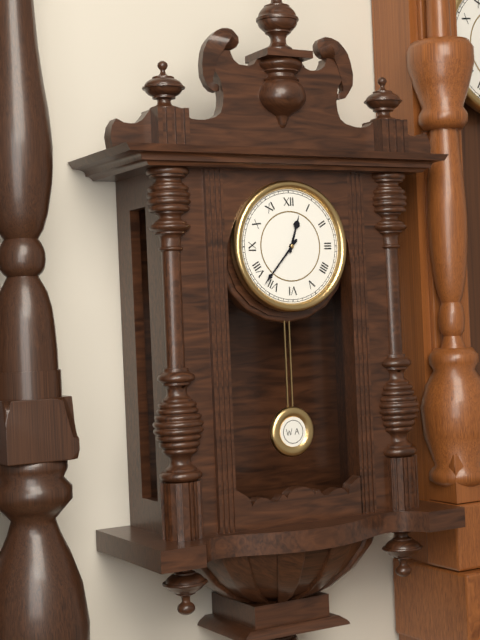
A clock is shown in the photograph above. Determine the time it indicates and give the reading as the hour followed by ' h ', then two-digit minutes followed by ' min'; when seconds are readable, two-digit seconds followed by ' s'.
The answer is 12 h 37 min
